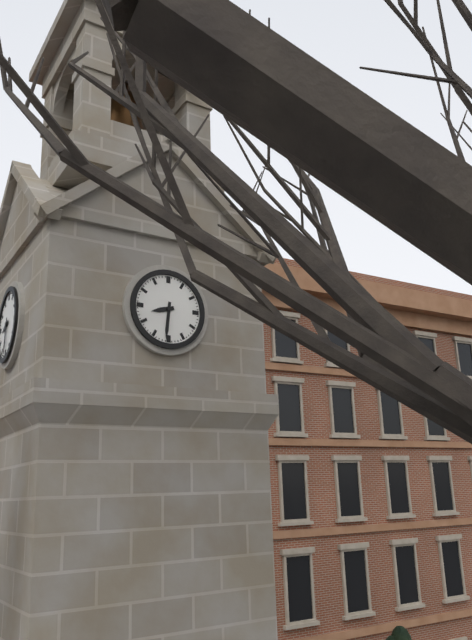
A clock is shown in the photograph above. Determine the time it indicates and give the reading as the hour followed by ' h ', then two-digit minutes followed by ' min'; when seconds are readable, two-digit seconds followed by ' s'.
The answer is 8 h 31 min
